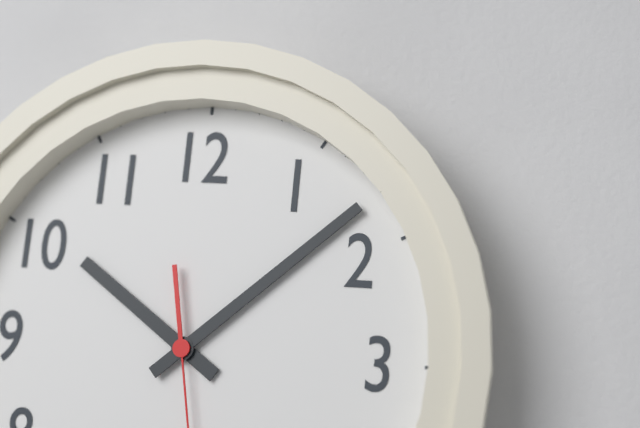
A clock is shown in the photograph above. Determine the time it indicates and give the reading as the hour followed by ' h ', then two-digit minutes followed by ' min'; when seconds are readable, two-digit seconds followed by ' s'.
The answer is 10 h 08 min
